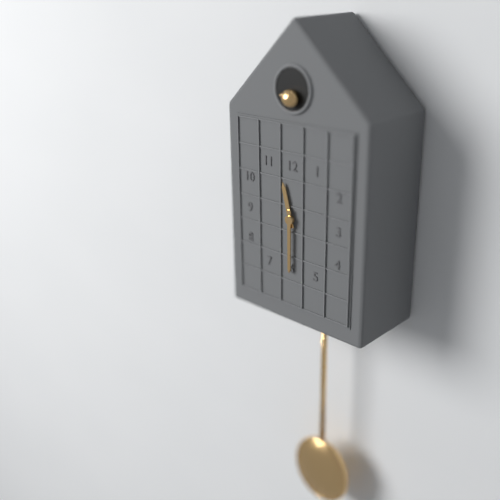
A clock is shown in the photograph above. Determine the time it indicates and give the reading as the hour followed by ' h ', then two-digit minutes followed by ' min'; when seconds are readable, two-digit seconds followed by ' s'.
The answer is 11 h 30 min
